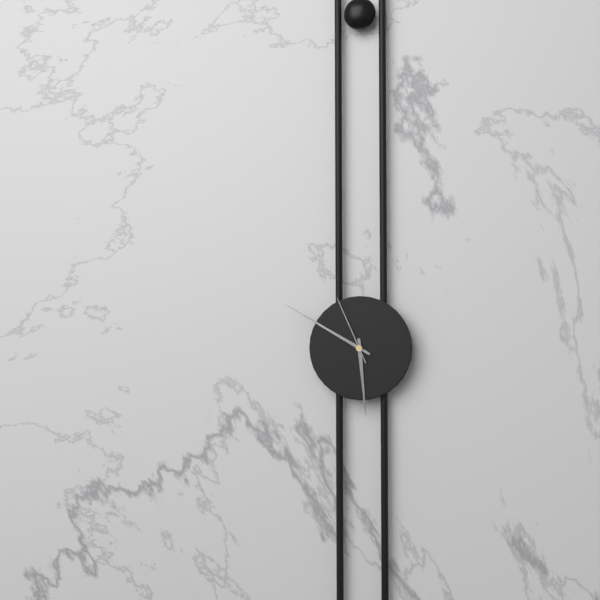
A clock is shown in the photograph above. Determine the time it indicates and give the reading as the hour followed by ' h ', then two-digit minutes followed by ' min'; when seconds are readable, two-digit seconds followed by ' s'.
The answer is 5 h 50 min 56 s
